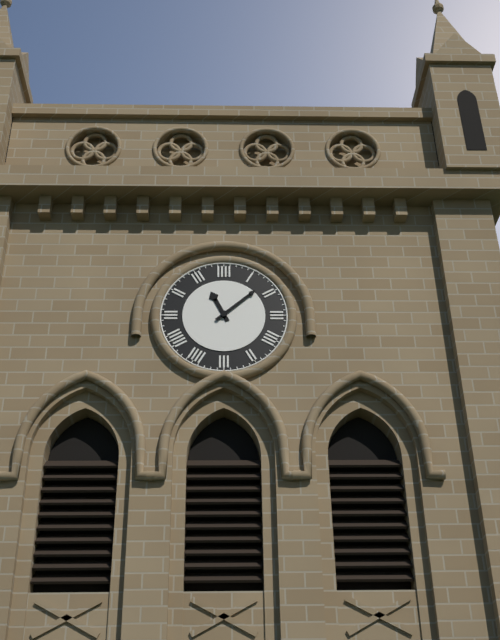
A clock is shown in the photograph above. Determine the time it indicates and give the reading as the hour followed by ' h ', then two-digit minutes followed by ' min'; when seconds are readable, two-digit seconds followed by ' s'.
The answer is 11 h 08 min
